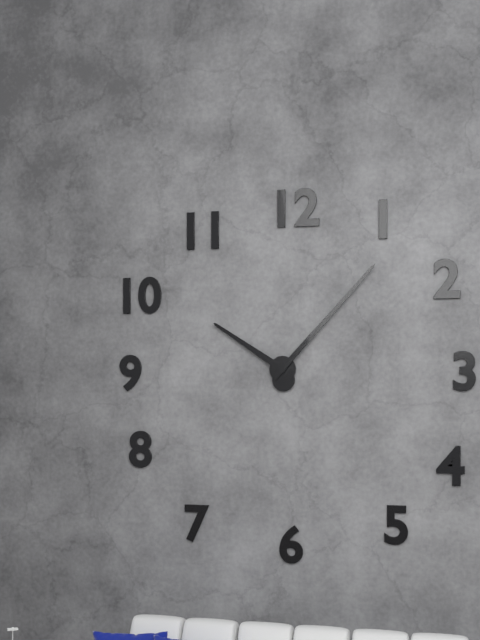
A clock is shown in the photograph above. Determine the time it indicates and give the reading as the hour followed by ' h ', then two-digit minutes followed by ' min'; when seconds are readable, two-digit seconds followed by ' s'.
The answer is 10 h 07 min
